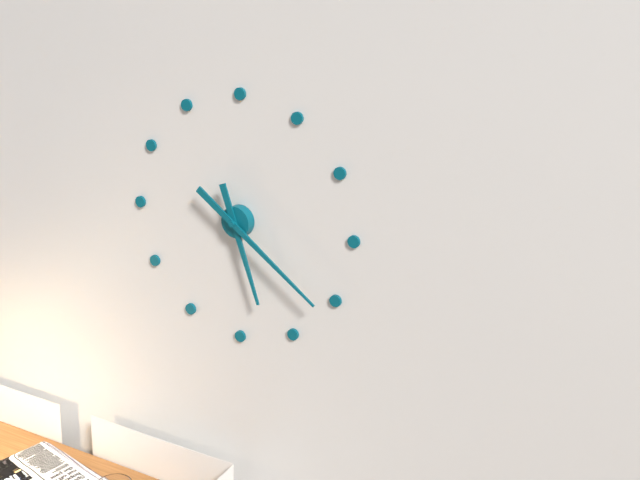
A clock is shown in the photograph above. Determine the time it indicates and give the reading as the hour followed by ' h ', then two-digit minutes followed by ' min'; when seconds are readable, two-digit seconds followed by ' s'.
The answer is 5 h 21 min
